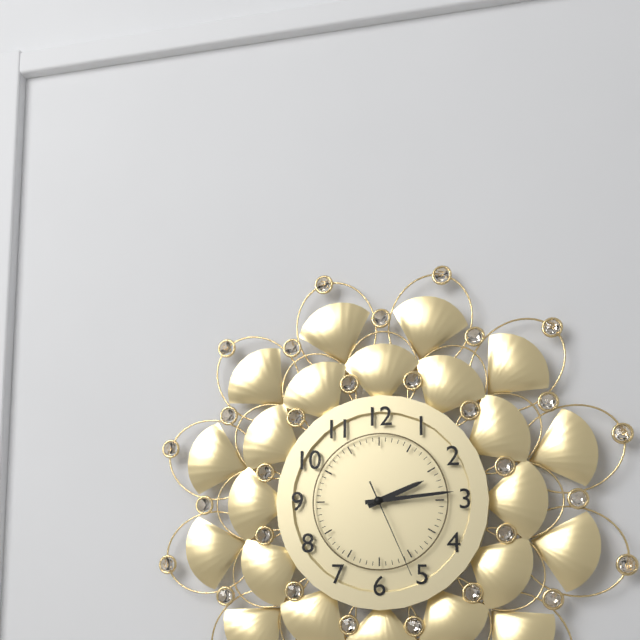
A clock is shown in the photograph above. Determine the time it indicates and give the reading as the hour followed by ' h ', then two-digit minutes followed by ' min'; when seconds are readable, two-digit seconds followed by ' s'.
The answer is 2 h 14 min 26 s
